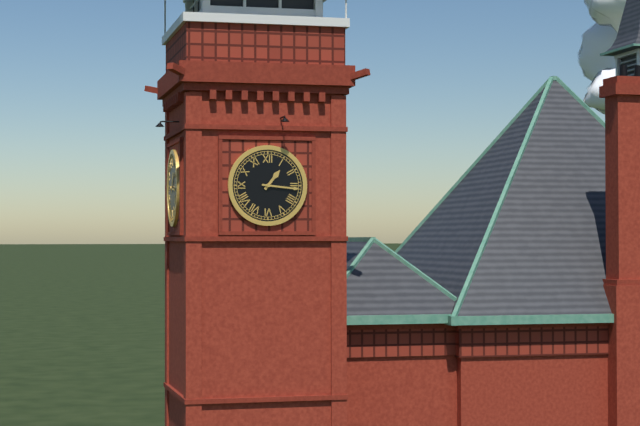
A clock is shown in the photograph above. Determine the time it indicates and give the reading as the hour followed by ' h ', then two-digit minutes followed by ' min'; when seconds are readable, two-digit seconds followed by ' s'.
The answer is 1 h 16 min
